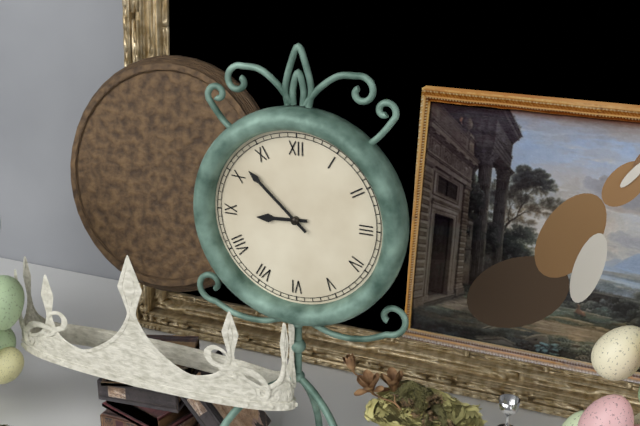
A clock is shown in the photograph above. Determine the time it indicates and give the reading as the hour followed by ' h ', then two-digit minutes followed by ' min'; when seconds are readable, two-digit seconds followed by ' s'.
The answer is 8 h 52 min
